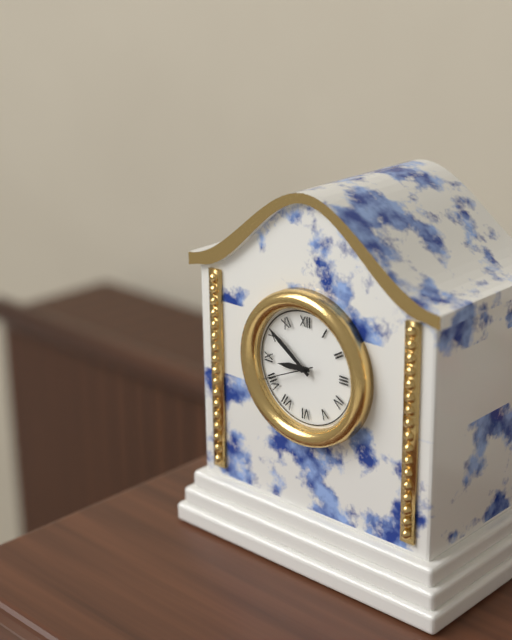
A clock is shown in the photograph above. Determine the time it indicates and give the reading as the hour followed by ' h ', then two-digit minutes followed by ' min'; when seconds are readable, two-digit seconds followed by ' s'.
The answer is 8 h 51 min 41 s
